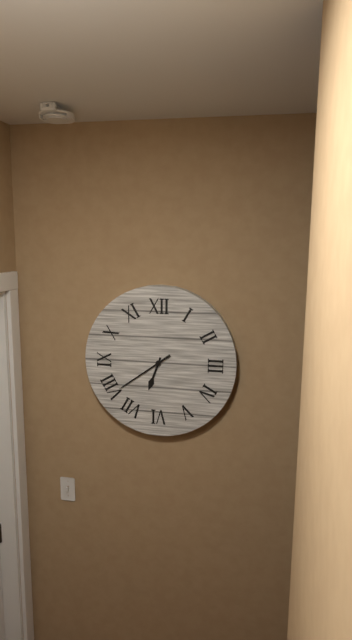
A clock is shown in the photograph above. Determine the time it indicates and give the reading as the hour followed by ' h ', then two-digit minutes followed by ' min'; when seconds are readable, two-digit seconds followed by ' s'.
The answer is 6 h 39 min
